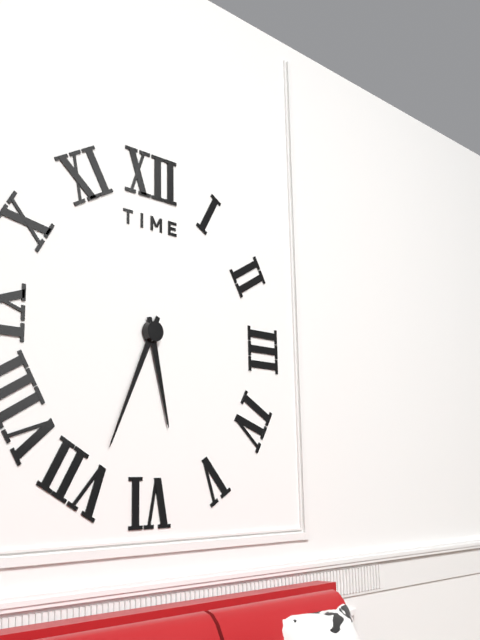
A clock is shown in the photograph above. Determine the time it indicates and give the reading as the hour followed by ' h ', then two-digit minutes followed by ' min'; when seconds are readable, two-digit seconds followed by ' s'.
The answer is 5 h 34 min
